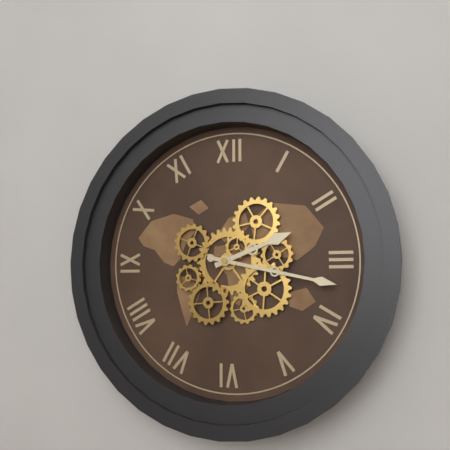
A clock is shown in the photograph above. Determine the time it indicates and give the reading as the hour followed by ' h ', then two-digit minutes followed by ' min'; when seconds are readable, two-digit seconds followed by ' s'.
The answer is 2 h 17 min
